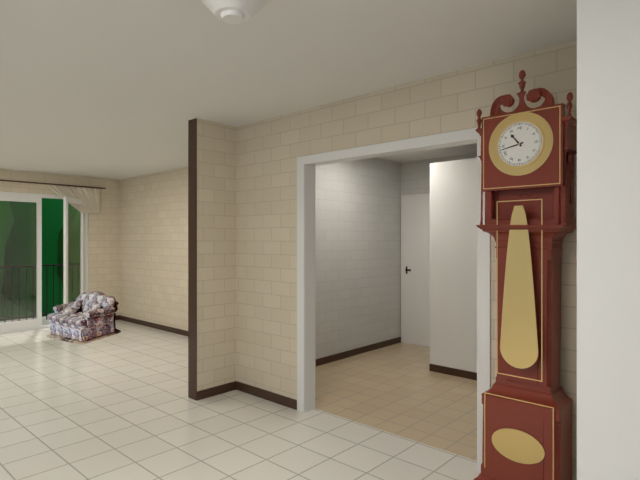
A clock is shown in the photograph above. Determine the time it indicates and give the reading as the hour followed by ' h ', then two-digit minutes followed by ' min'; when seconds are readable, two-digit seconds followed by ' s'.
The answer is 10 h 43 min
